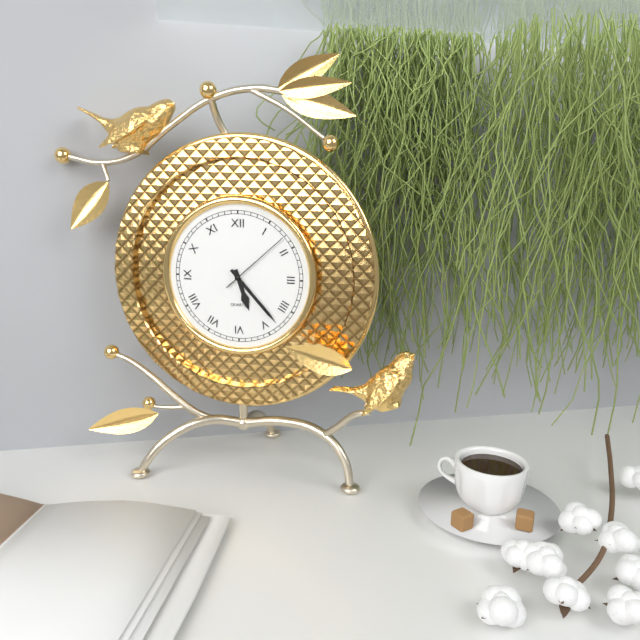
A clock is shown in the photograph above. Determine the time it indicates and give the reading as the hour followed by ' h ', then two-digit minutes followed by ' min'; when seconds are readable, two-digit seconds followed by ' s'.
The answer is 5 h 23 min 08 s
